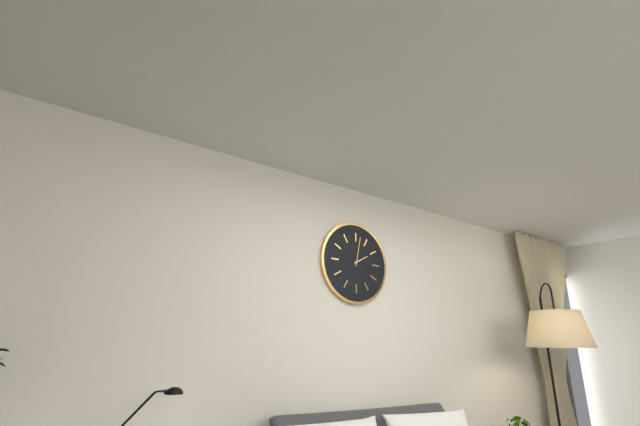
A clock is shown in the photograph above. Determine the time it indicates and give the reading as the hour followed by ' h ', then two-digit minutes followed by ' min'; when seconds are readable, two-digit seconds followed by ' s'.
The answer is 2 h 02 min
